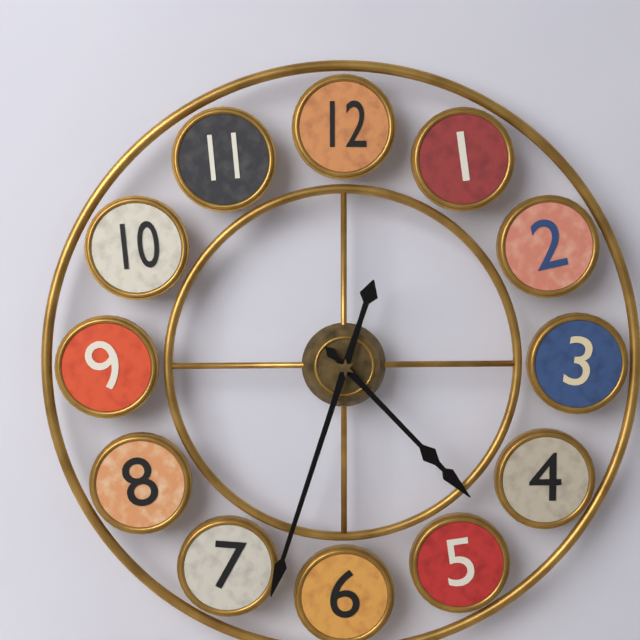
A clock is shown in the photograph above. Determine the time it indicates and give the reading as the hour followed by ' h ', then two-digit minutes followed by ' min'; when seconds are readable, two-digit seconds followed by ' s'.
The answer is 4 h 33 min
